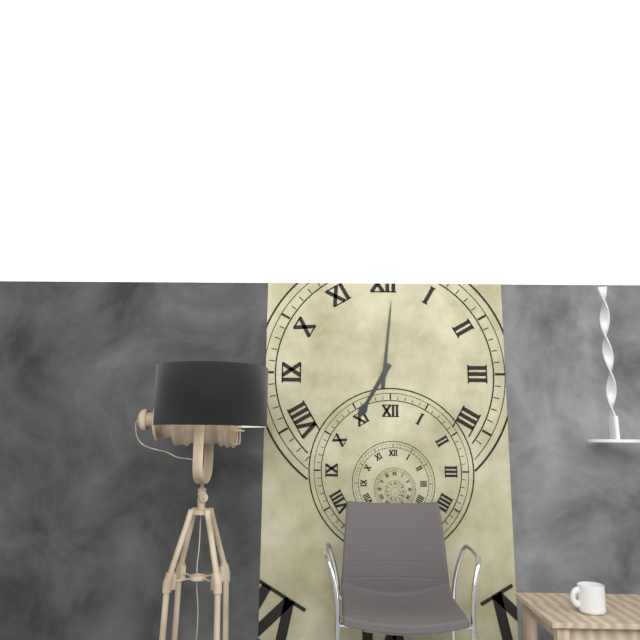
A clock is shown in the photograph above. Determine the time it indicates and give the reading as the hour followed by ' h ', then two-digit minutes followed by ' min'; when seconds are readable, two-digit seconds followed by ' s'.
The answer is 7 h 01 min
